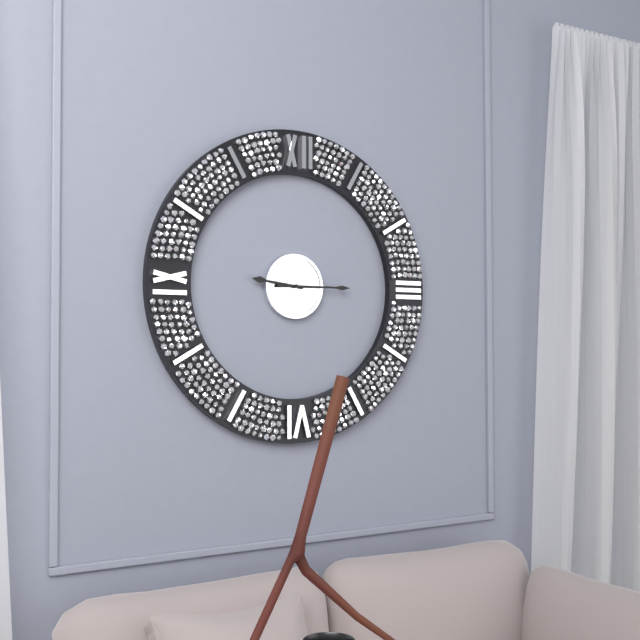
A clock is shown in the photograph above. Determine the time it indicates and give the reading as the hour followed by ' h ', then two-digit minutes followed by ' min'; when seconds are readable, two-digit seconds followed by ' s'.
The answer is 9 h 15 min
